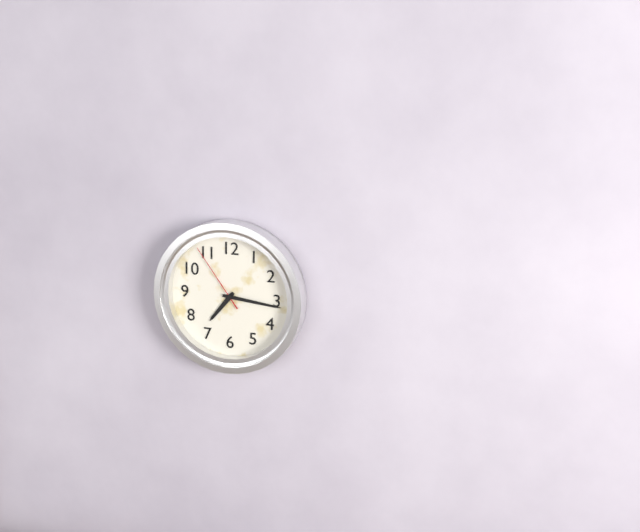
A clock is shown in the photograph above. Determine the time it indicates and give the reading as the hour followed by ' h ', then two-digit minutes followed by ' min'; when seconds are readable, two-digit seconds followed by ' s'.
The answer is 7 h 16 min 54 s
